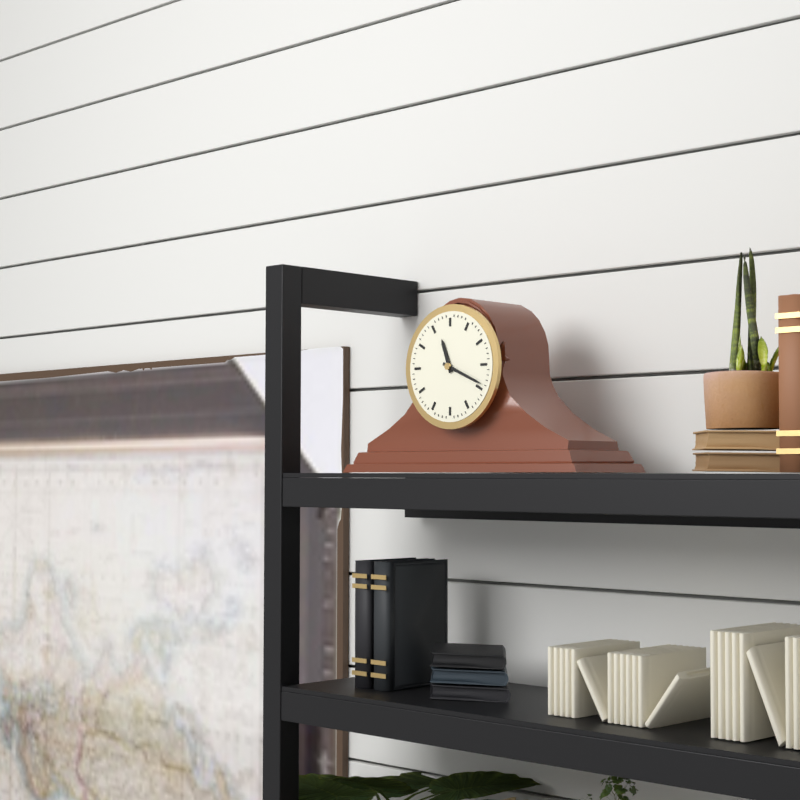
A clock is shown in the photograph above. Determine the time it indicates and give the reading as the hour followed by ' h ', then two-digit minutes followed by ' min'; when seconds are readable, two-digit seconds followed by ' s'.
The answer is 11 h 19 min
